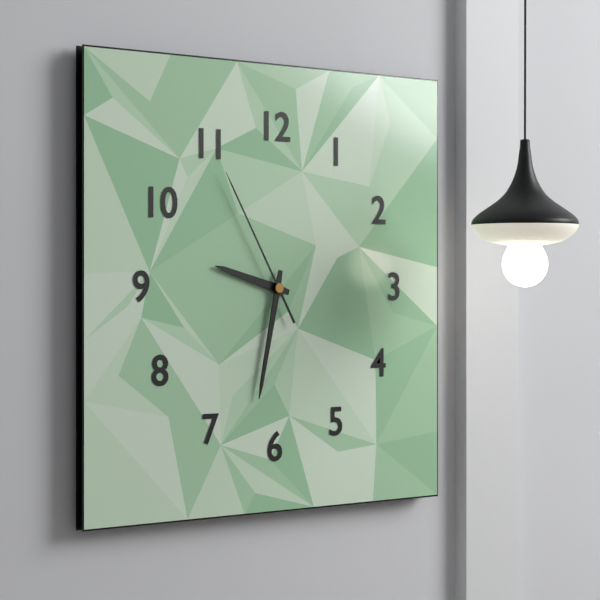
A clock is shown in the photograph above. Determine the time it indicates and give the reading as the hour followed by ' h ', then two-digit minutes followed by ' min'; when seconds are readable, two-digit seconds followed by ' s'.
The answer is 9 h 32 min 55 s
